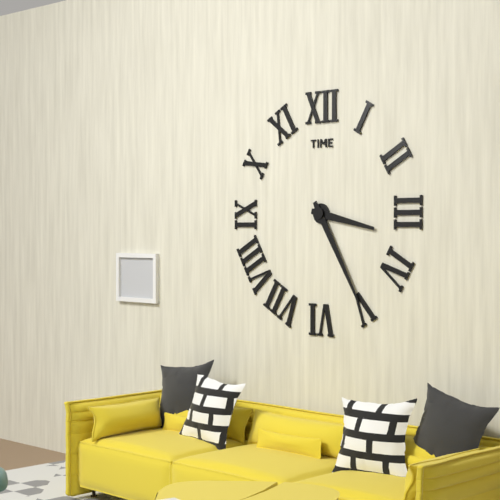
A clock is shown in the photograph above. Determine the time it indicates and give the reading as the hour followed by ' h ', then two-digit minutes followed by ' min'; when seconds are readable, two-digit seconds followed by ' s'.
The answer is 3 h 25 min
